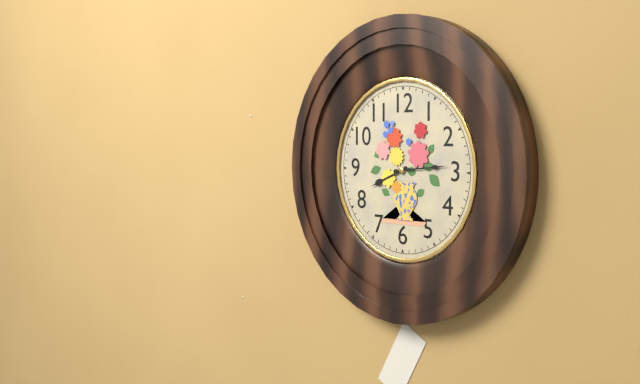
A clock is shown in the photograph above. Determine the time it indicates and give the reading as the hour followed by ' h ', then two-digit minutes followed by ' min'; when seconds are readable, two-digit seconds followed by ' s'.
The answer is 8 h 14 min
